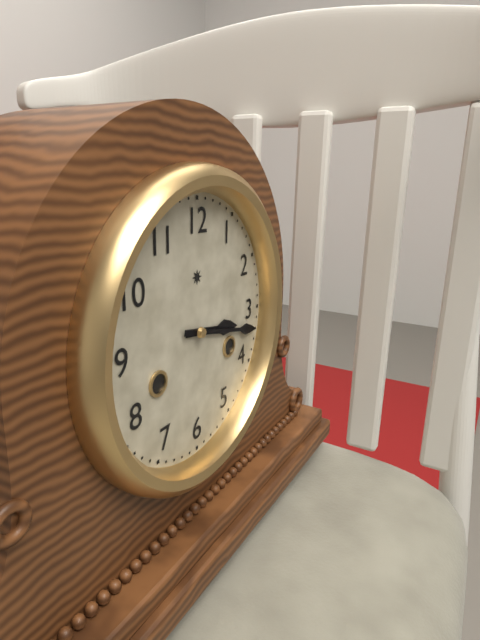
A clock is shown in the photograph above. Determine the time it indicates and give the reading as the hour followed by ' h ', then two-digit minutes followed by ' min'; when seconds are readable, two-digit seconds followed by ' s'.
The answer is 3 h 17 min
